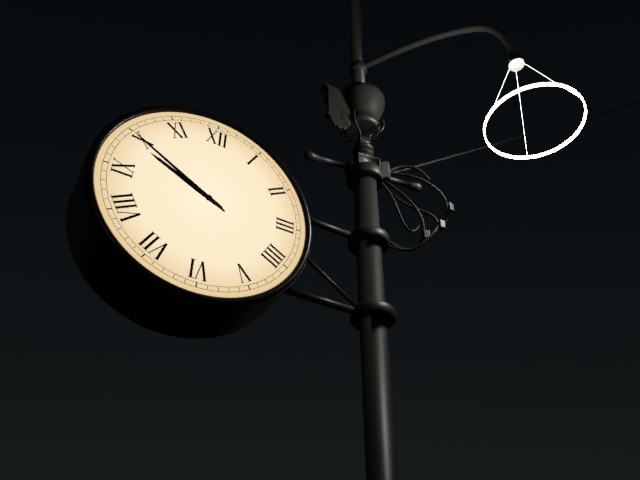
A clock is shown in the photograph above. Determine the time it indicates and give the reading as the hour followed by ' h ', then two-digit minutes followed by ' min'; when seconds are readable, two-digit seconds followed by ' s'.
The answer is 9 h 50 min
